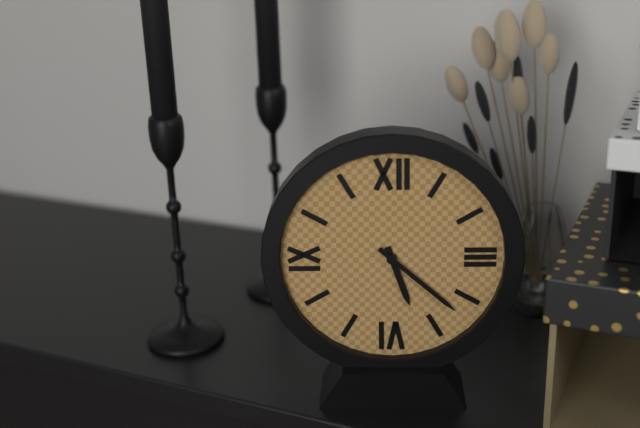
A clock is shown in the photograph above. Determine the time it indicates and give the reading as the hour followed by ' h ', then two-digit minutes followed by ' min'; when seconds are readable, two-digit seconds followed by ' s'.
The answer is 5 h 22 min
